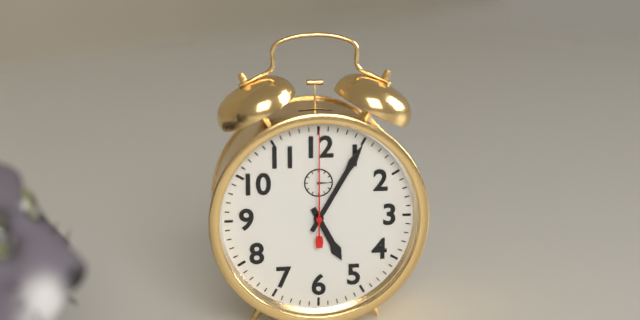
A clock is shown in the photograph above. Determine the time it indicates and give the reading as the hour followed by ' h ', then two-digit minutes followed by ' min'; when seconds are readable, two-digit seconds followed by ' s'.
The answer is 5 h 05 min 00 s
